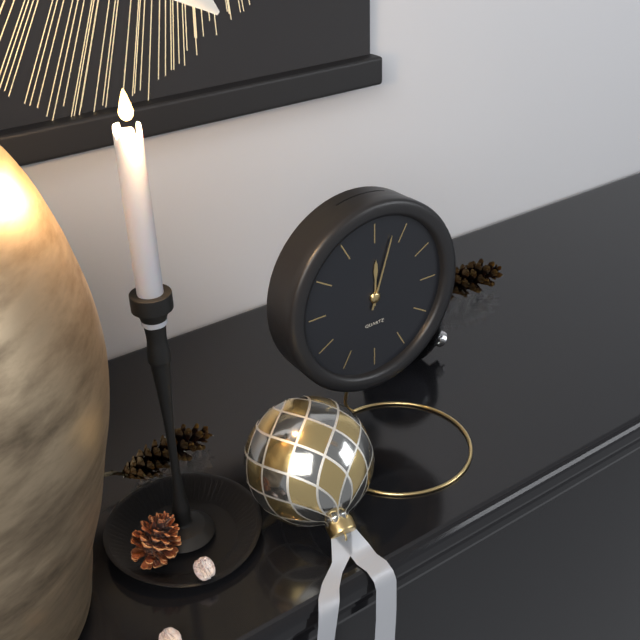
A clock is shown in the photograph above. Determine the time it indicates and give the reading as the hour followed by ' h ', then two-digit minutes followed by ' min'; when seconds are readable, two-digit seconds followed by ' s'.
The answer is 12 h 03 min
